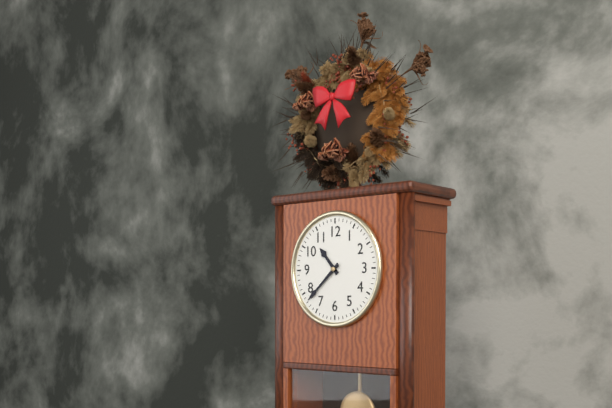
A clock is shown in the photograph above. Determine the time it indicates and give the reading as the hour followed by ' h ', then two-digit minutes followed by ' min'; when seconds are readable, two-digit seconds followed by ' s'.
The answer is 10 h 38 min
